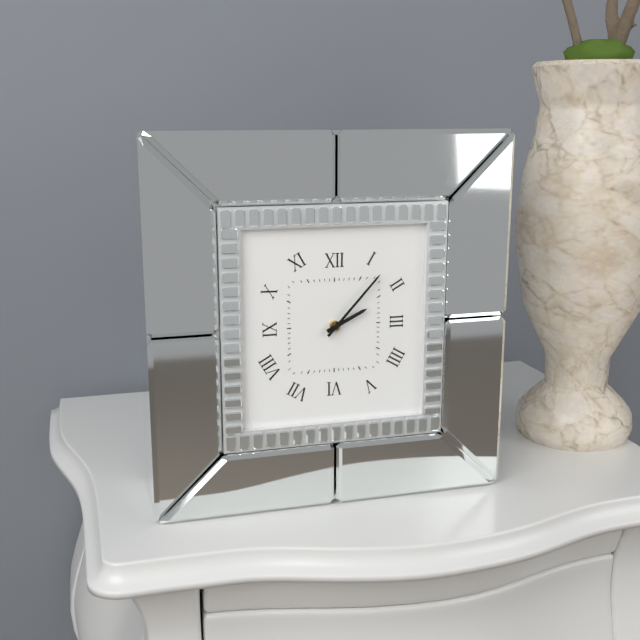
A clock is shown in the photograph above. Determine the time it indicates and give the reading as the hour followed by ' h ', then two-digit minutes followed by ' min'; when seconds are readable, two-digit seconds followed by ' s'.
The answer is 2 h 07 min
